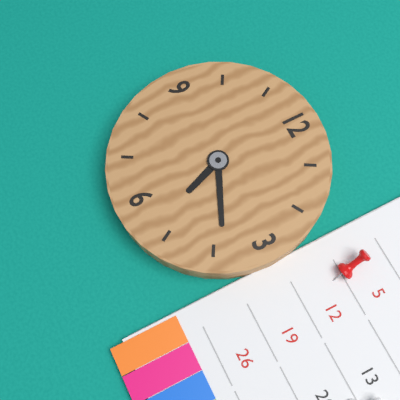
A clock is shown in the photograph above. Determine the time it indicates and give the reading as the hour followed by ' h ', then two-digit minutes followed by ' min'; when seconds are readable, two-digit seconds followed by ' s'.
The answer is 5 h 19 min
